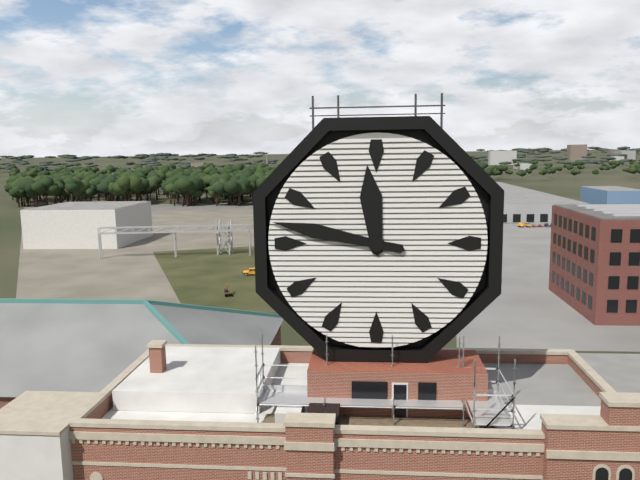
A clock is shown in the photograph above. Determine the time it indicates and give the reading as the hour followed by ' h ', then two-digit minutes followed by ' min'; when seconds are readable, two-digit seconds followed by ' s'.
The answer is 11 h 47 min
